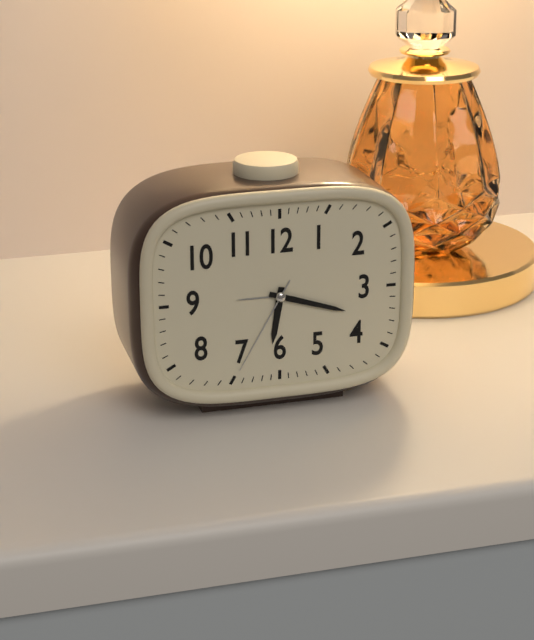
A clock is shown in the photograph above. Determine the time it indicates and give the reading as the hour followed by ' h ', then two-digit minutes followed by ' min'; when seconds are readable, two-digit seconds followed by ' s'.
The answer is 6 h 18 min 35 s
